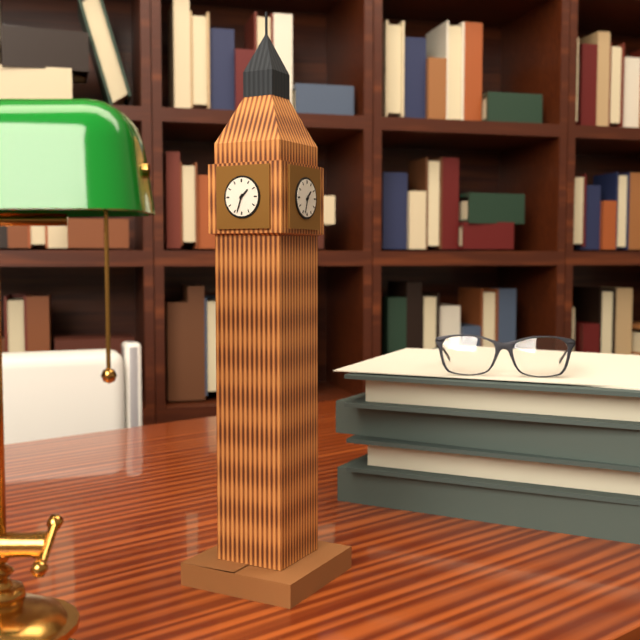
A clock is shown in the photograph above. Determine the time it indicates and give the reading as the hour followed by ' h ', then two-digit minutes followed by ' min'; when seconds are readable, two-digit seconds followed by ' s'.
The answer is 1 h 33 min
